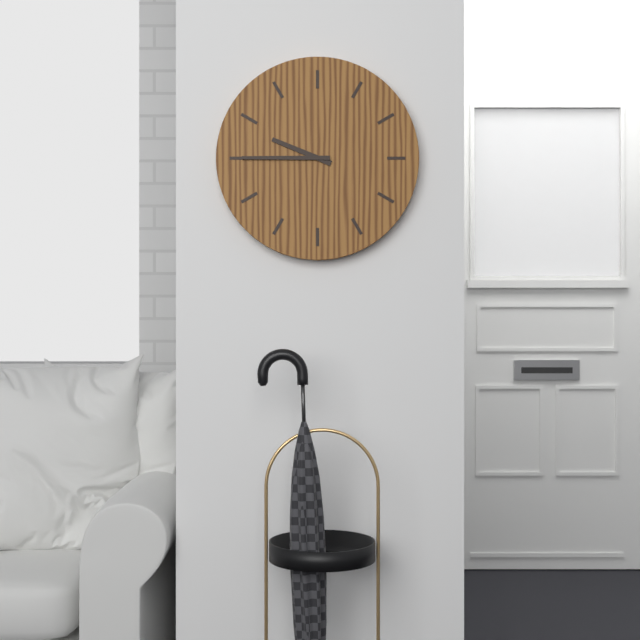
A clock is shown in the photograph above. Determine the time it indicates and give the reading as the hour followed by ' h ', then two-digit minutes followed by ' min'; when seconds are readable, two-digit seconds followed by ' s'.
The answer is 9 h 45 min
